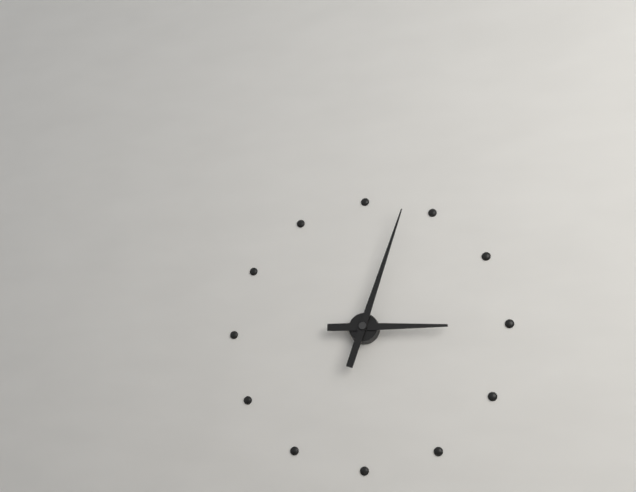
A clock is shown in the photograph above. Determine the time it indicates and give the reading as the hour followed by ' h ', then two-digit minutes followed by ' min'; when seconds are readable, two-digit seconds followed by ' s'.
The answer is 3 h 03 min
